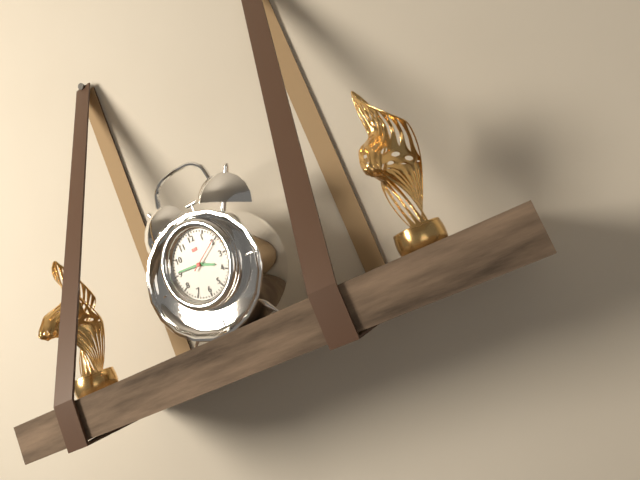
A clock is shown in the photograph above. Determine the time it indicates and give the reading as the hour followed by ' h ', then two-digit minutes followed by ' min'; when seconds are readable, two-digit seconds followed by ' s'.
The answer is 3 h 46 min
